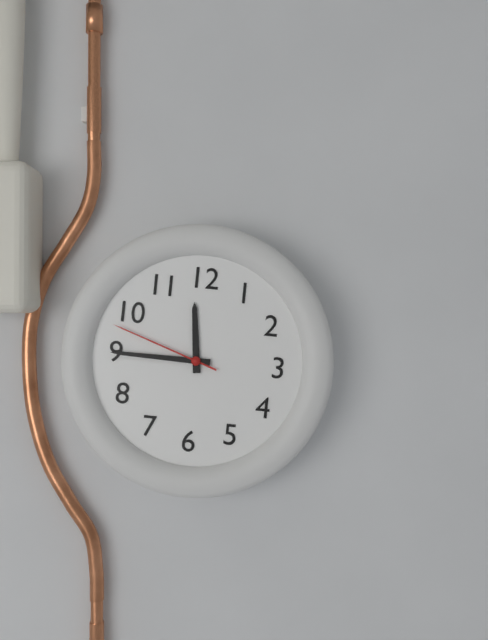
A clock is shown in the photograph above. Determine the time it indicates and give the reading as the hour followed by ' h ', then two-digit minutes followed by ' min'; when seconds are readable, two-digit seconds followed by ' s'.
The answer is 11 h 45 min 48 s
